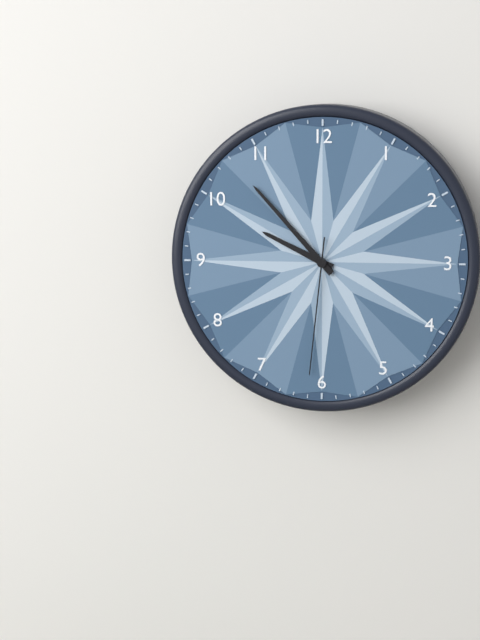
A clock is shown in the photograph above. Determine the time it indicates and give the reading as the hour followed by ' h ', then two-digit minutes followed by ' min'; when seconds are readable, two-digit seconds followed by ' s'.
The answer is 9 h 53 min 31 s
